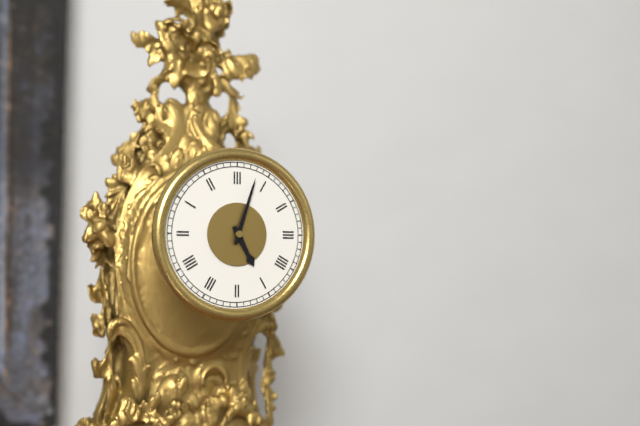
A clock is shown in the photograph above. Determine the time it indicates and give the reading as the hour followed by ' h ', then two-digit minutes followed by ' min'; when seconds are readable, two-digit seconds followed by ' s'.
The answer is 5 h 03 min
